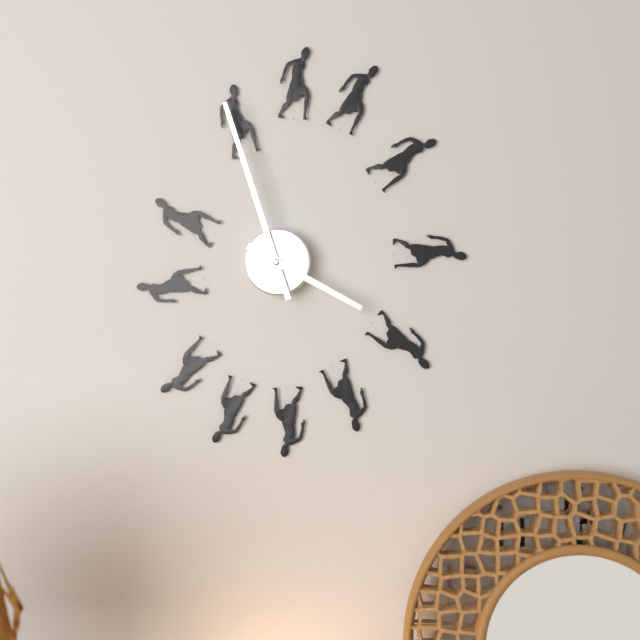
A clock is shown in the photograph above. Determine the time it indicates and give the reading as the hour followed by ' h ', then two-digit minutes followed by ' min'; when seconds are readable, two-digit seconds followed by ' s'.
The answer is 3 h 57 min
